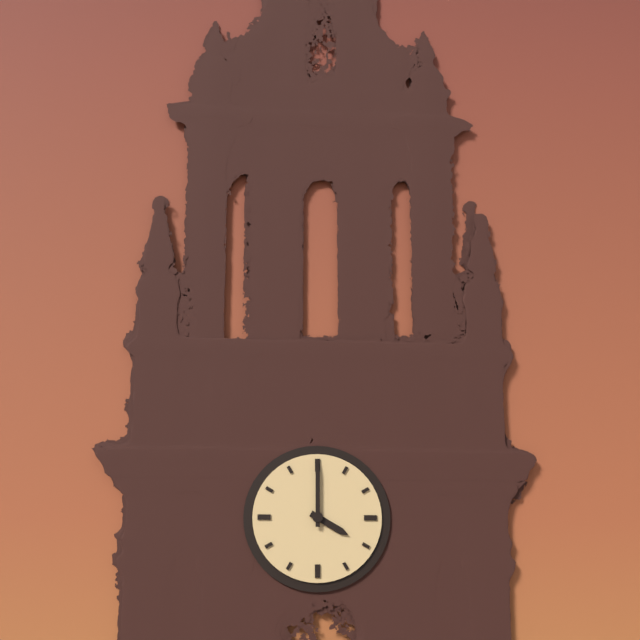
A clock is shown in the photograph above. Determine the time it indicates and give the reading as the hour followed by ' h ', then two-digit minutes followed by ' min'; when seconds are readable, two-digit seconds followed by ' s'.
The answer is 4 h 00 min
